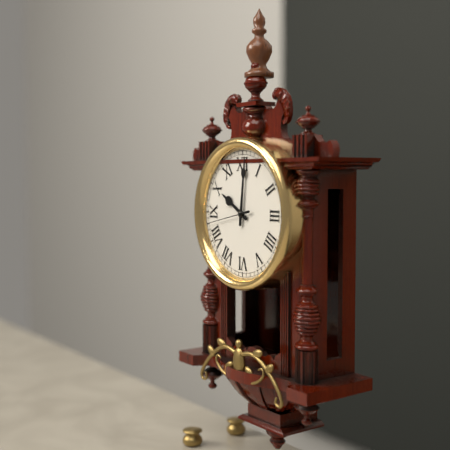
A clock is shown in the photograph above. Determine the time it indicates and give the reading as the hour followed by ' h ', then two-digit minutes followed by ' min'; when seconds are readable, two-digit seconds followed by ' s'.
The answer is 10 h 01 min
